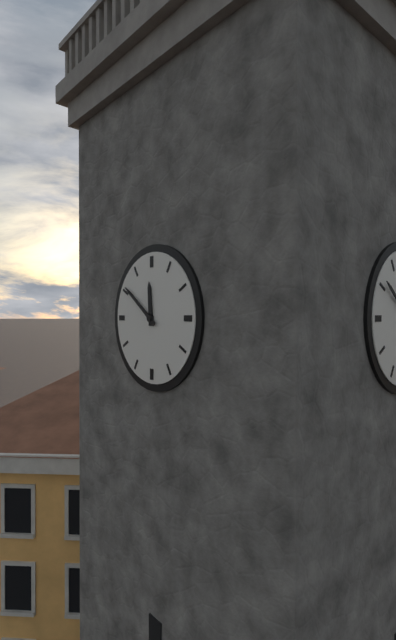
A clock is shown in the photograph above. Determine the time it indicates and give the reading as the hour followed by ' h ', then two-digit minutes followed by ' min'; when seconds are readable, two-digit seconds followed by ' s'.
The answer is 11 h 51 min
